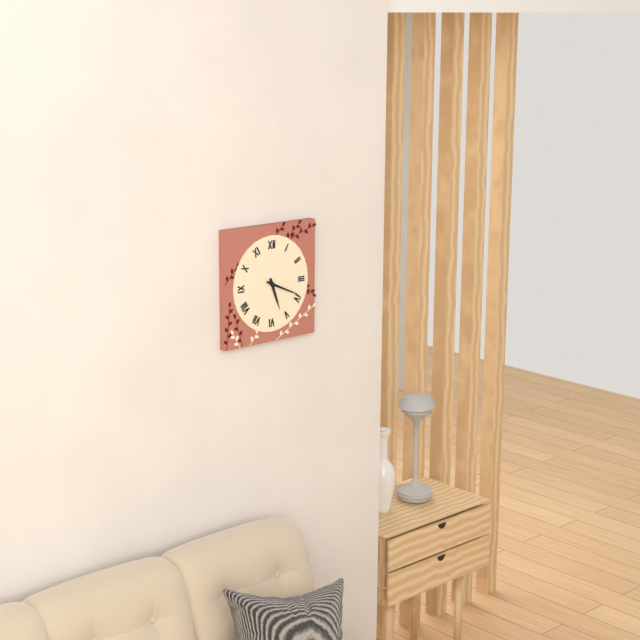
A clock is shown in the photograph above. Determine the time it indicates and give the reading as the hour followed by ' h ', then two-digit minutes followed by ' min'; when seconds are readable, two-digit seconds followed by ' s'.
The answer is 5 h 19 min
